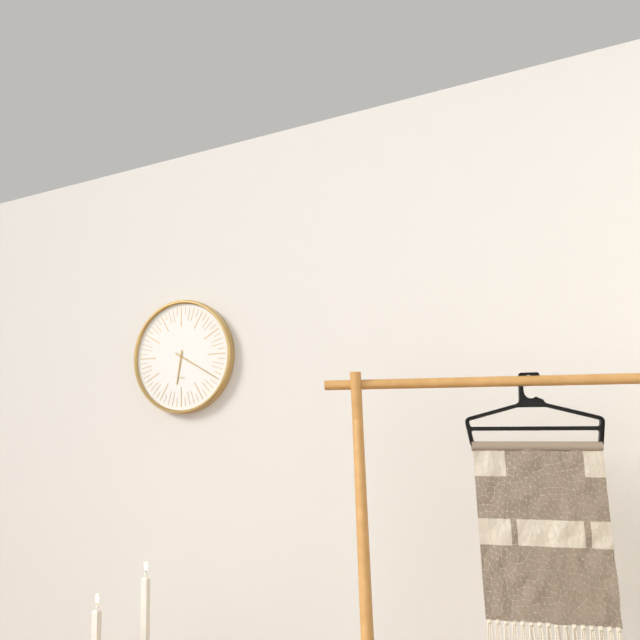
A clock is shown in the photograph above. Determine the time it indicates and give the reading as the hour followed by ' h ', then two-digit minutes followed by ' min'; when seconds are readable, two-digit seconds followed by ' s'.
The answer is 6 h 20 min
